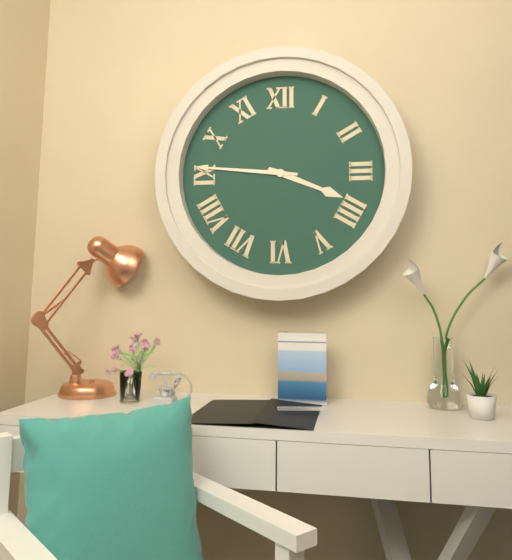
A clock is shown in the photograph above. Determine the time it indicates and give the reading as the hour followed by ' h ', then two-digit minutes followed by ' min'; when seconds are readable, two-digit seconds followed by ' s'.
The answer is 3 h 46 min
